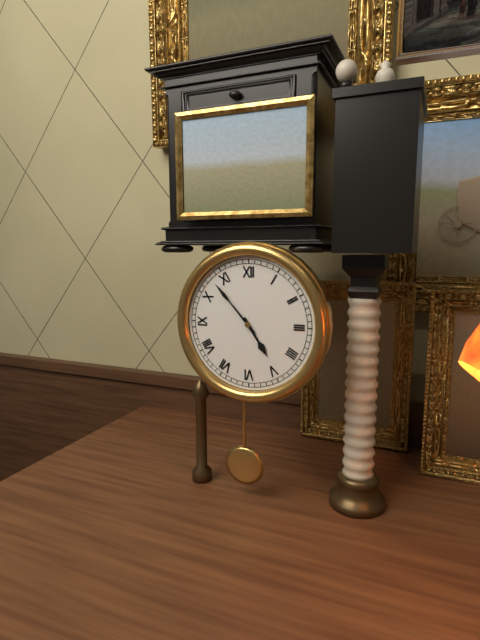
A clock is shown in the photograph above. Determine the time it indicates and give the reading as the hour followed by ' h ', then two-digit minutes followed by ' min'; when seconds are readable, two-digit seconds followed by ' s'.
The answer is 4 h 53 min
